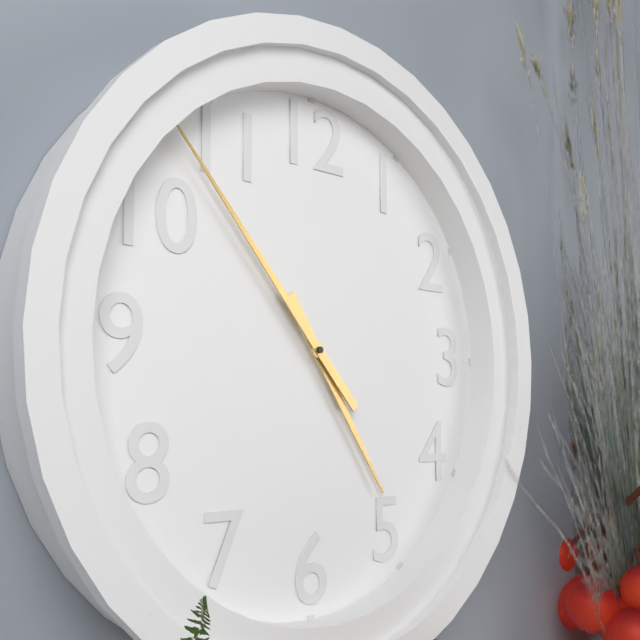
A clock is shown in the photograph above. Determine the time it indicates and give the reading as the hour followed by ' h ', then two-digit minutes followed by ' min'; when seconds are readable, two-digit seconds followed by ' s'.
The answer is 4 h 53 min
